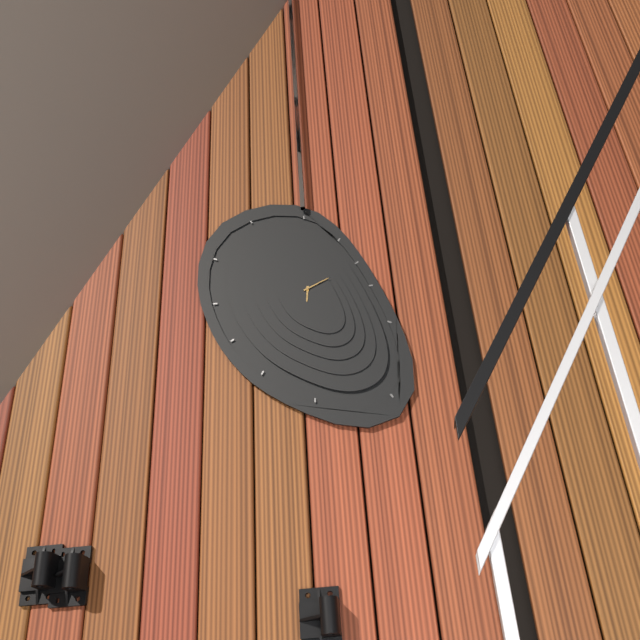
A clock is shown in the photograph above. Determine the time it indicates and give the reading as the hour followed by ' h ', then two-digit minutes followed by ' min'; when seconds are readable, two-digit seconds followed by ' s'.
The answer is 6 h 11 min
